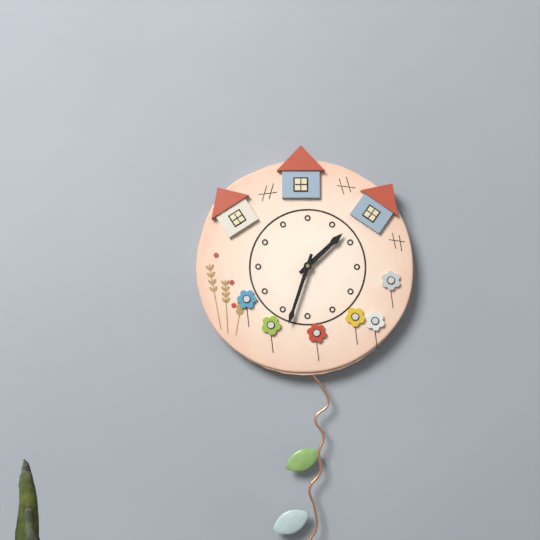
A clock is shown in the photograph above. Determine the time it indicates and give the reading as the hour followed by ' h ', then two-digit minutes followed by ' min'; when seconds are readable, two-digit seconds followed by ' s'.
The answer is 1 h 33 min
